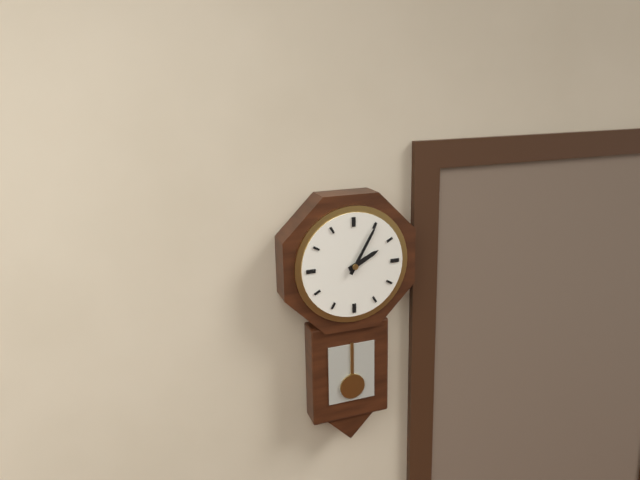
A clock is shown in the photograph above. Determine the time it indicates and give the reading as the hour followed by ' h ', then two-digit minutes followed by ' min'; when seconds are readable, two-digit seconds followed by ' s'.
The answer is 2 h 05 min
